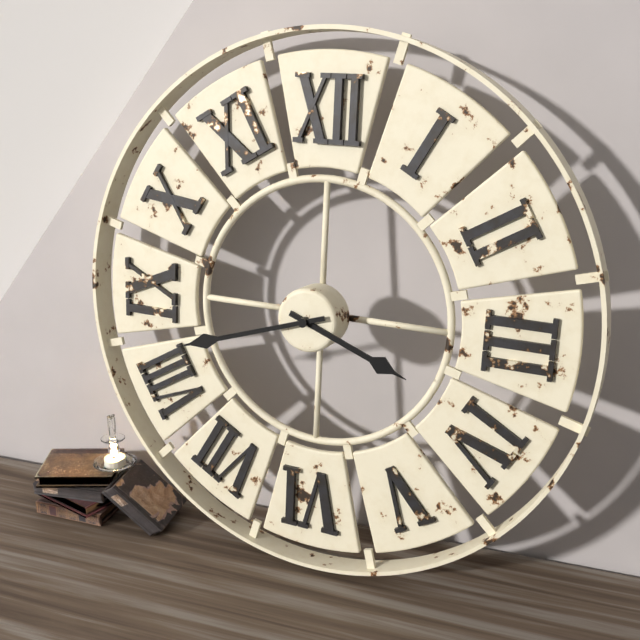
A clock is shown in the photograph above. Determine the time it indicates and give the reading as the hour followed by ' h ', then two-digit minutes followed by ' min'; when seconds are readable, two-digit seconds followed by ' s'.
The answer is 3 h 42 min
